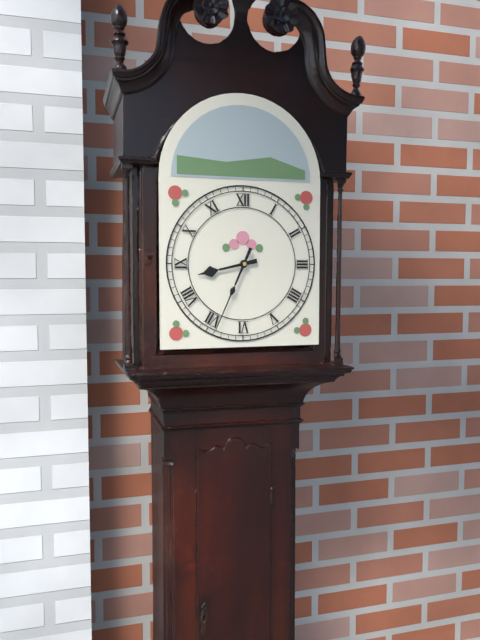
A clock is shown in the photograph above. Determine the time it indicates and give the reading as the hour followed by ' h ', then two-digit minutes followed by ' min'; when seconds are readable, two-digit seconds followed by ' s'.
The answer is 8 h 34 min
